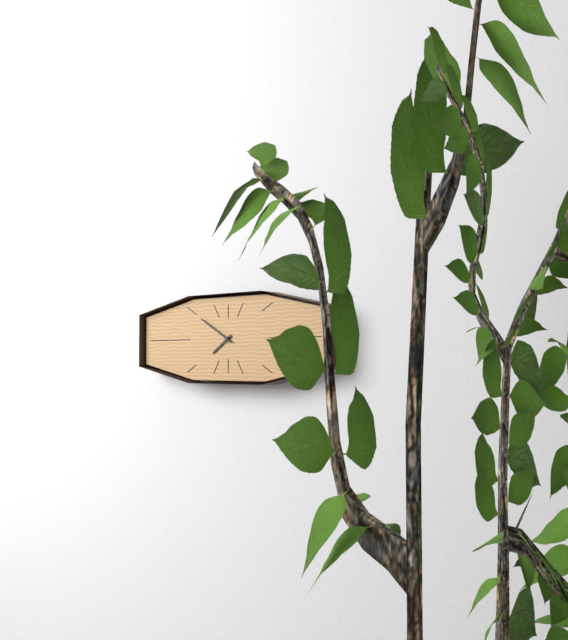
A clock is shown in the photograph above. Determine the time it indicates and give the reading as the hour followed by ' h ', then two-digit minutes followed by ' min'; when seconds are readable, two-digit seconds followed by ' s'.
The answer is 7 h 50 min
